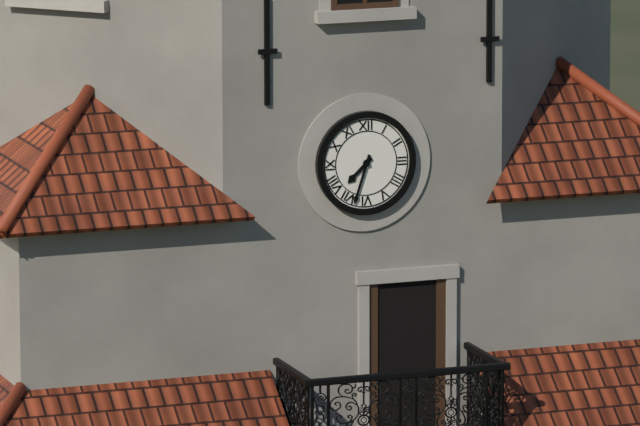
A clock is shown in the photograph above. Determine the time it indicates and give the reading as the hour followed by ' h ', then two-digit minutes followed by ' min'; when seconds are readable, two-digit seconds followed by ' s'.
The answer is 7 h 33 min
